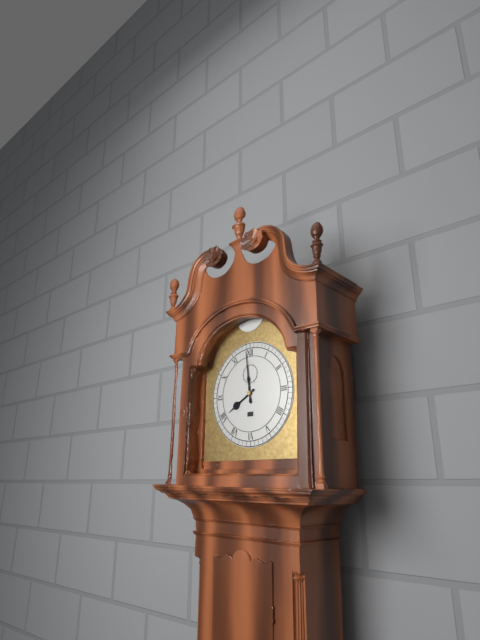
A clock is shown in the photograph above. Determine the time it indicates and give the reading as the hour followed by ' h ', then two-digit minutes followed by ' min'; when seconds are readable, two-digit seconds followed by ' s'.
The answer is 7 h 59 min
